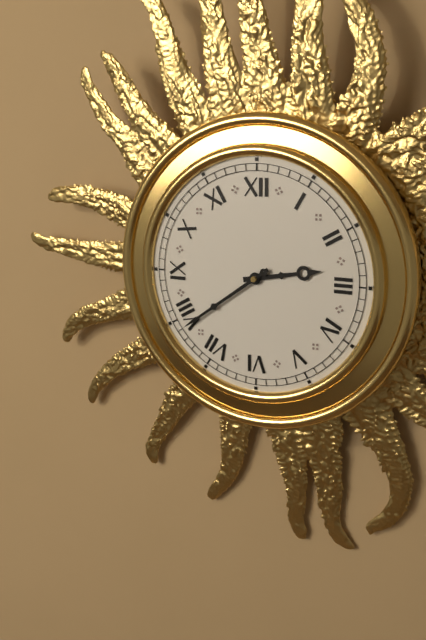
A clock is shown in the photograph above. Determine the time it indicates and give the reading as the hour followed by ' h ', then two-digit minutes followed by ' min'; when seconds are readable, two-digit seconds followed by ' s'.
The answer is 2 h 39 min
